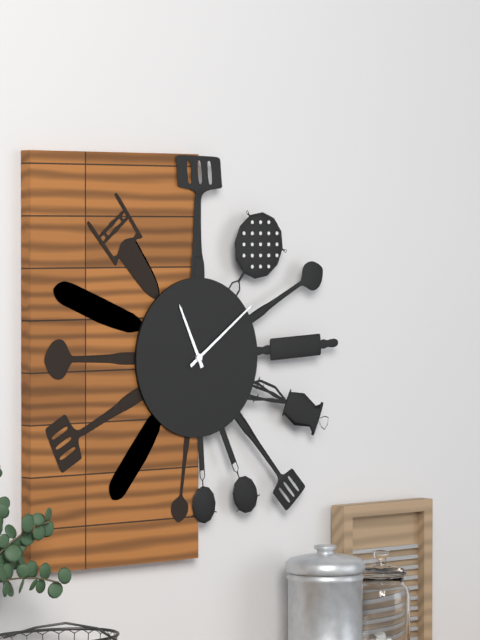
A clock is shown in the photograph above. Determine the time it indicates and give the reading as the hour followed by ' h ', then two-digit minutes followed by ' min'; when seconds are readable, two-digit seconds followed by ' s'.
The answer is 11 h 09 min
